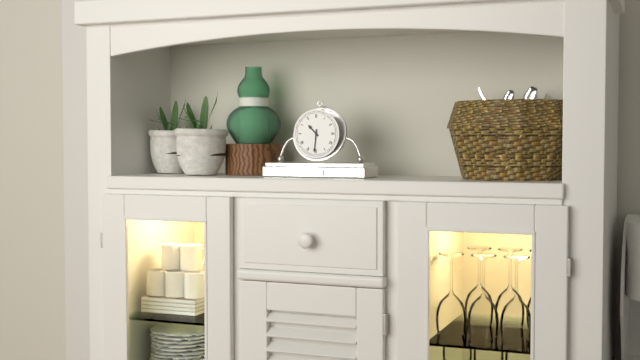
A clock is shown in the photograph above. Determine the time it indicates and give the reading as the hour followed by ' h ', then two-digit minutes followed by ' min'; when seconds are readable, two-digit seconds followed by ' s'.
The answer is 10 h 31 min
